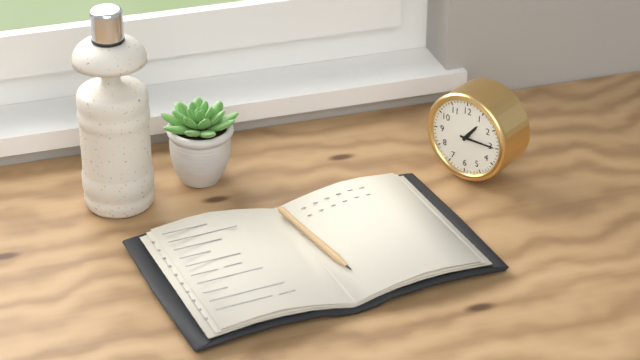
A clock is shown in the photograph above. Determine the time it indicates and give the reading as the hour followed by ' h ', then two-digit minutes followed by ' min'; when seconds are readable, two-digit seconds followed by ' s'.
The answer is 1 h 15 min
